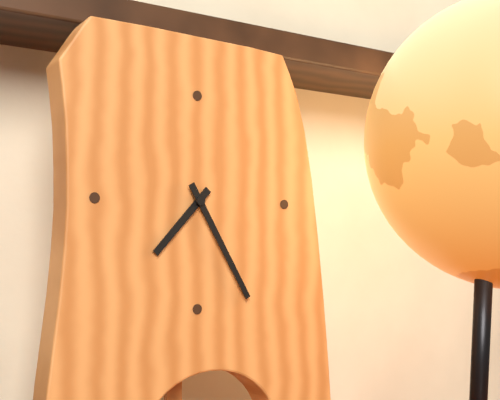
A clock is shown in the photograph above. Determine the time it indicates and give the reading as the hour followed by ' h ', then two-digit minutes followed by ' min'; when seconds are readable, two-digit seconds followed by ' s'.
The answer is 7 h 25 min
